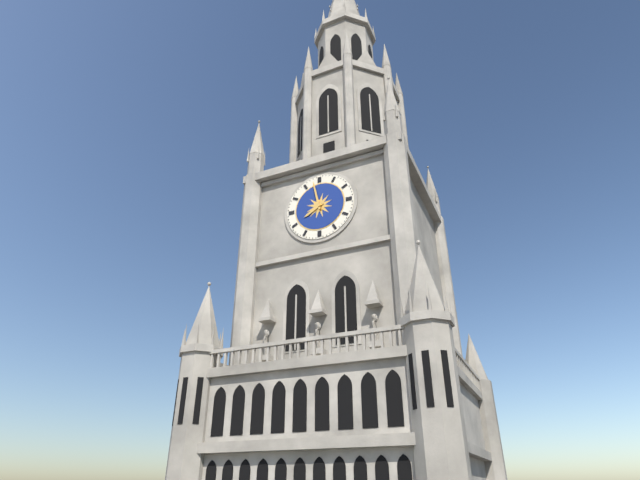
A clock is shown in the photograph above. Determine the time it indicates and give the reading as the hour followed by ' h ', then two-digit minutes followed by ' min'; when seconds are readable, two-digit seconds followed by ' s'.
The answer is 7 h 58 min
